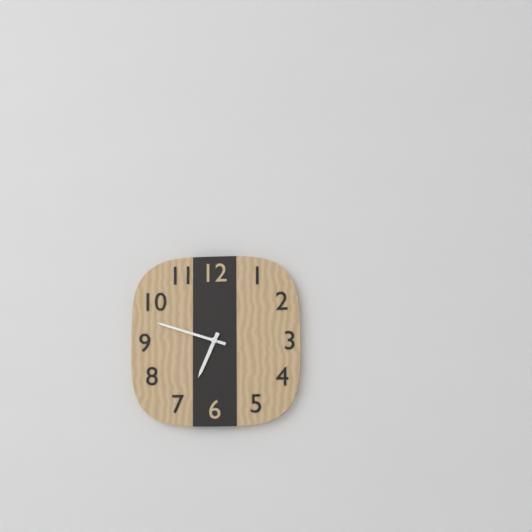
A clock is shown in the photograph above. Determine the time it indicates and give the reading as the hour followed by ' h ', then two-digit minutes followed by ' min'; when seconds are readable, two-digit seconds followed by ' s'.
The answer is 6 h 48 min
